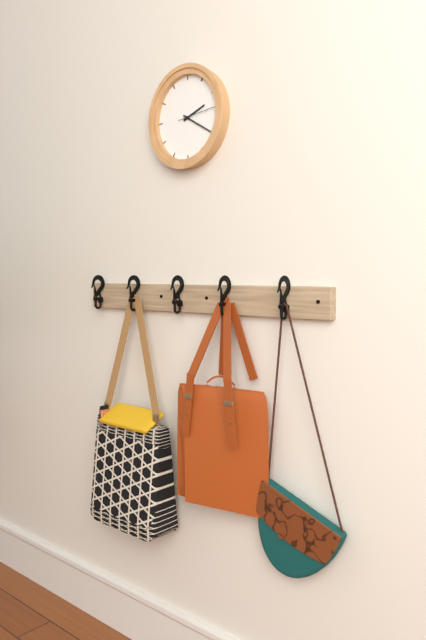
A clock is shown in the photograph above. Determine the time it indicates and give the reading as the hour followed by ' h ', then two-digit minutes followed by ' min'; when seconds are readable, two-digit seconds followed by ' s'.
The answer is 2 h 20 min
